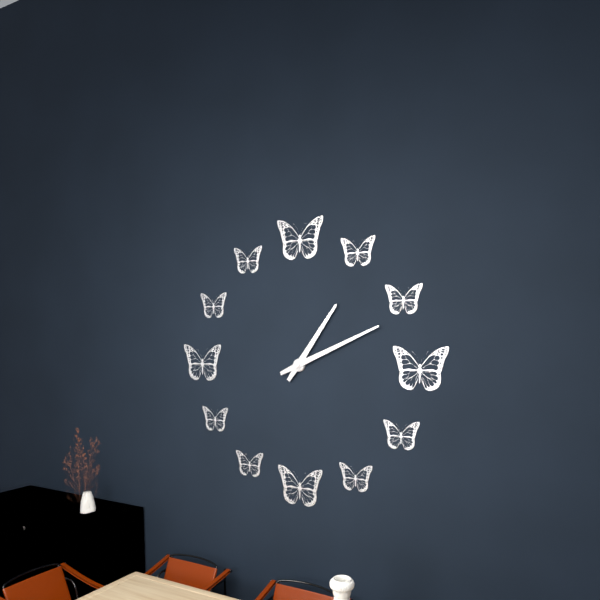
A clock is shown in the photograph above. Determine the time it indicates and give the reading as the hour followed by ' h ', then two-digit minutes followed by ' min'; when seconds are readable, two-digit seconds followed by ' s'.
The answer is 1 h 11 min
